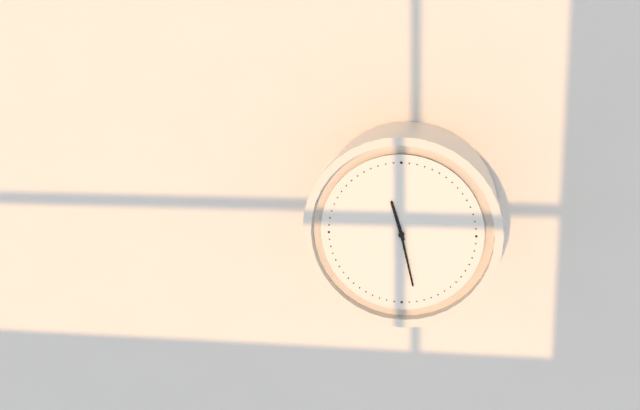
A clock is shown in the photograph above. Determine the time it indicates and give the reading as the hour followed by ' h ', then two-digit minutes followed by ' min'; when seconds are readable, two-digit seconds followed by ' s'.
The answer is 11 h 28 min
